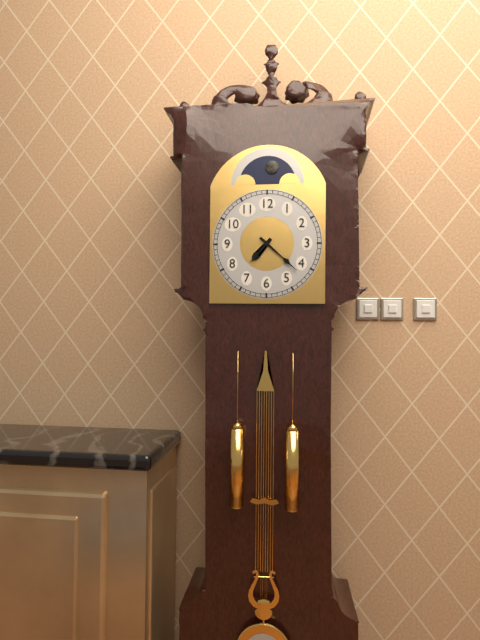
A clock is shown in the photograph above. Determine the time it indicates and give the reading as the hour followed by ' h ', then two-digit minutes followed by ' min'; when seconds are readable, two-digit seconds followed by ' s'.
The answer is 7 h 22 min
